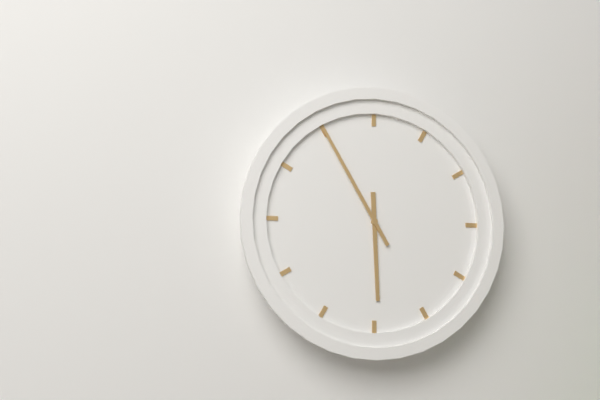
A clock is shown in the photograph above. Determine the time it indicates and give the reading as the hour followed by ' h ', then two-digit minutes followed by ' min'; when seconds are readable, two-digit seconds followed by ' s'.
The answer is 5 h 55 min
